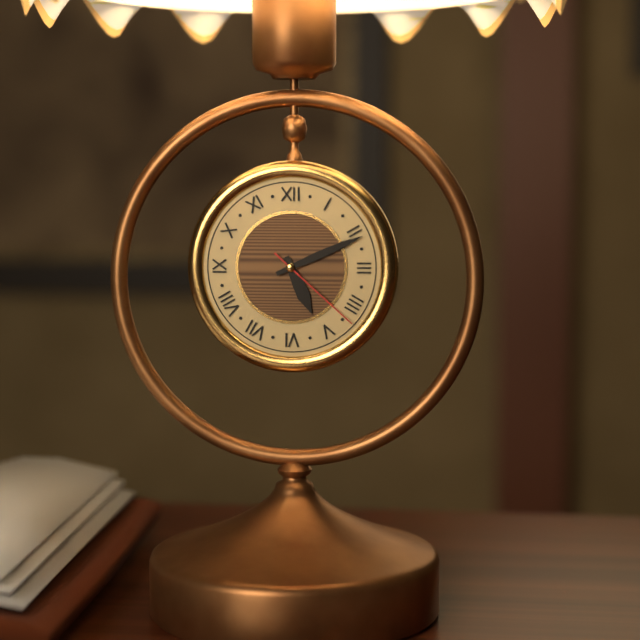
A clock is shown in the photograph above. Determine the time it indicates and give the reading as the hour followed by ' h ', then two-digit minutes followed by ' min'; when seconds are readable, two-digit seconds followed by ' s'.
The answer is 5 h 11 min 22 s
